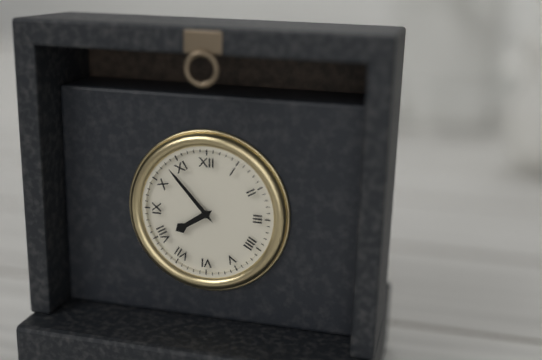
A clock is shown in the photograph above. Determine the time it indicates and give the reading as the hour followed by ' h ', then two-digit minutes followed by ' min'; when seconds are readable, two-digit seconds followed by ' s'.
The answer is 7 h 53 min
